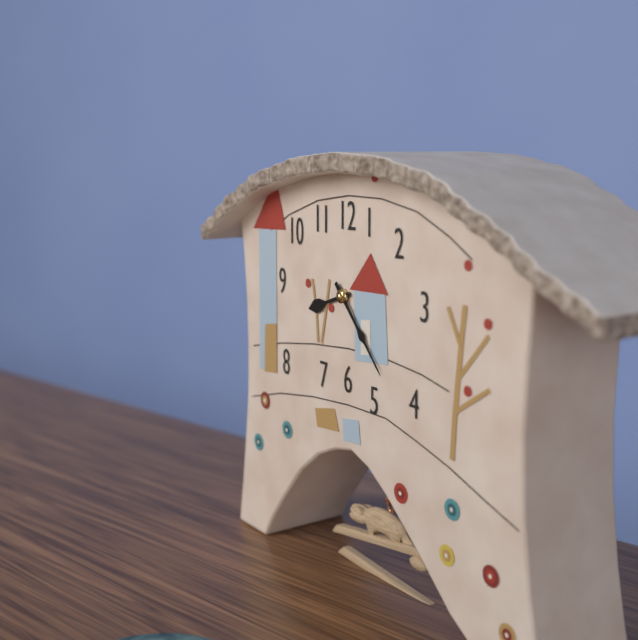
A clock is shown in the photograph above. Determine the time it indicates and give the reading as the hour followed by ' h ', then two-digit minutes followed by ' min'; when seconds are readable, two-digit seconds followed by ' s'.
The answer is 8 h 23 min
